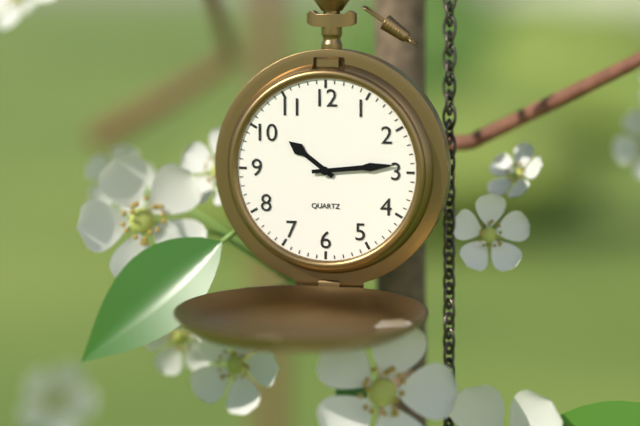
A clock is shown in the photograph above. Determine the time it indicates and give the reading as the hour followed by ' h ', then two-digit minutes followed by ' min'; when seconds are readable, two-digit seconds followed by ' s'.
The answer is 10 h 14 min
